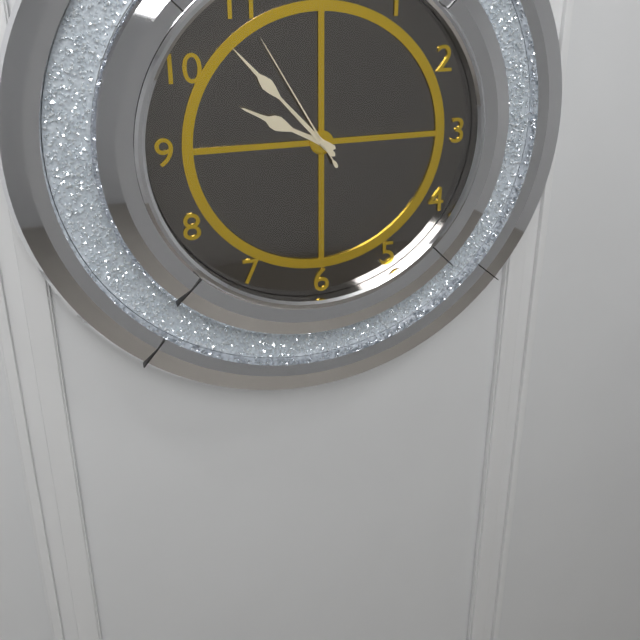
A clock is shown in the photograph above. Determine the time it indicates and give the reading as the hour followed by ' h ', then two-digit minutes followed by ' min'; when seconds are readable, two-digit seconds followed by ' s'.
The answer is 9 h 53 min 55 s
